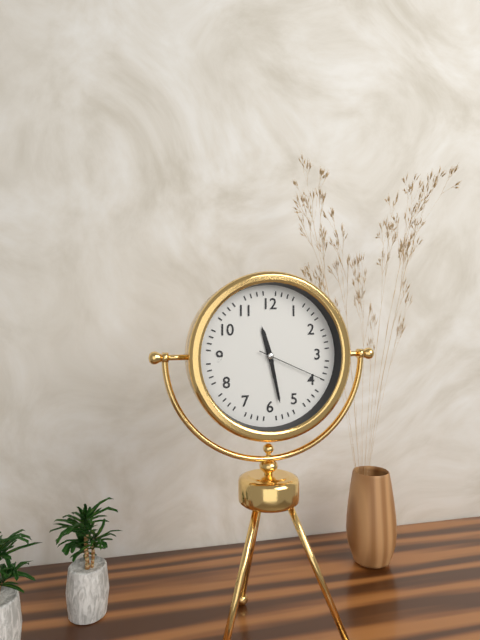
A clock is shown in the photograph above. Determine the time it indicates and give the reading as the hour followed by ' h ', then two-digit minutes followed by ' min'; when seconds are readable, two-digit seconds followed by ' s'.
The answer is 11 h 28 min 19 s
